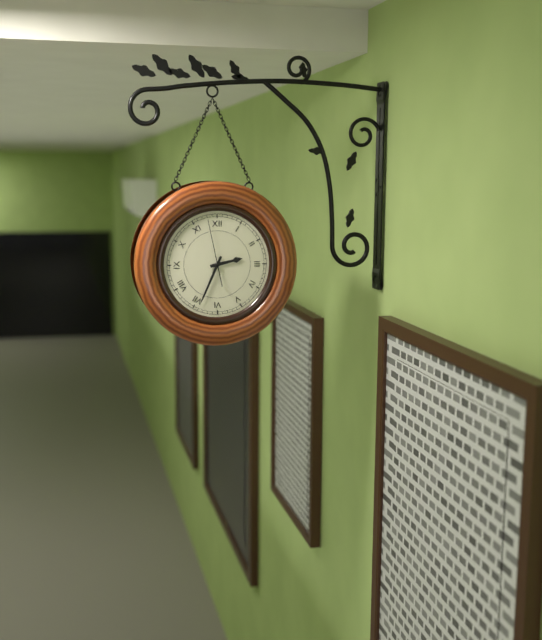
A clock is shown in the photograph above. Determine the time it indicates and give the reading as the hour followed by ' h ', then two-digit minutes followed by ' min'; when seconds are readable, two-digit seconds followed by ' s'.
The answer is 2 h 34 min 58 s
